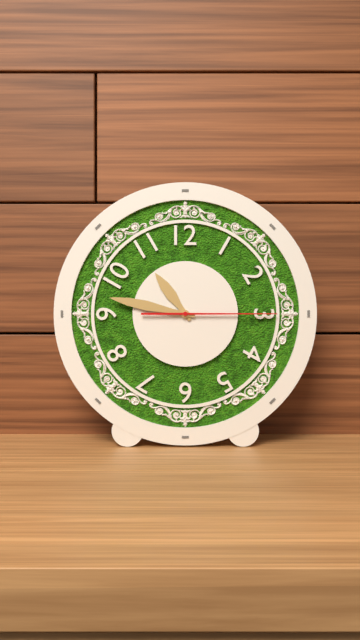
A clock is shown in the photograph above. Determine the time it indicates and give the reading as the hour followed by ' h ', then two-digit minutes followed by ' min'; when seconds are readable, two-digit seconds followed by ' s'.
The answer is 10 h 47 min 15 s
